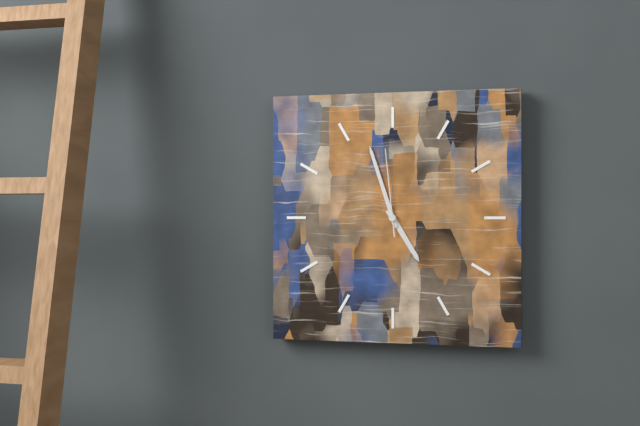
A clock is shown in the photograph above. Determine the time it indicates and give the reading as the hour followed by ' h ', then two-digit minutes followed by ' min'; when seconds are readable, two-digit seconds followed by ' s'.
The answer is 4 h 57 min 59 s
